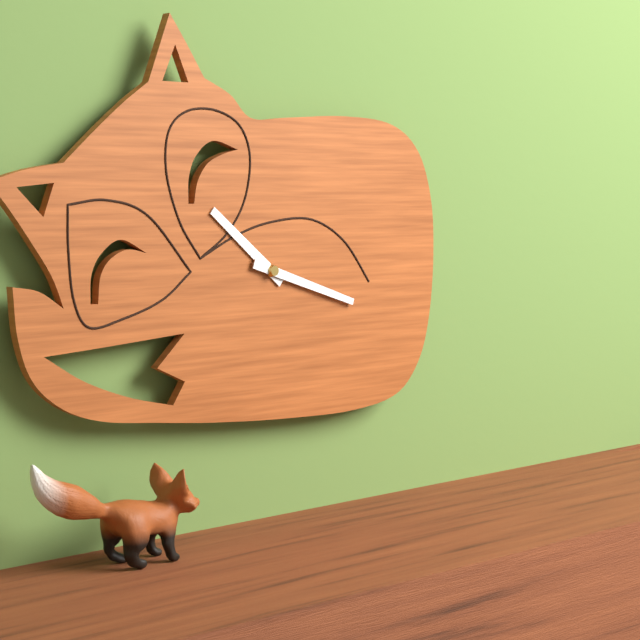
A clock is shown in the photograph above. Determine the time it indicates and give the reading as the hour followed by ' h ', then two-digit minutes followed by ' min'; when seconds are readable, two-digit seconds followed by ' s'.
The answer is 10 h 18 min
